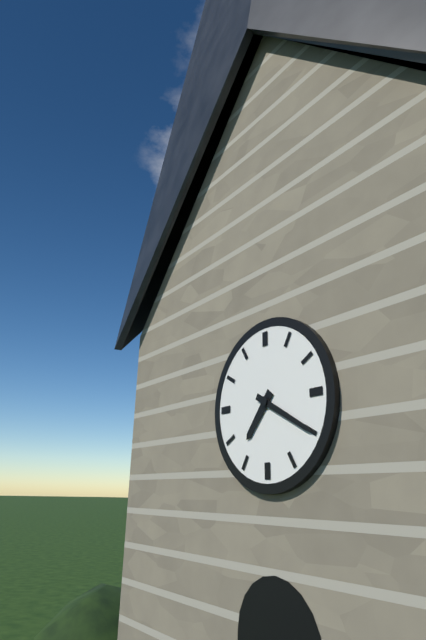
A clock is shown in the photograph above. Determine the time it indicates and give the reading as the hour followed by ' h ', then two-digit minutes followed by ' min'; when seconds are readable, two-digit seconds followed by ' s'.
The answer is 7 h 20 min
